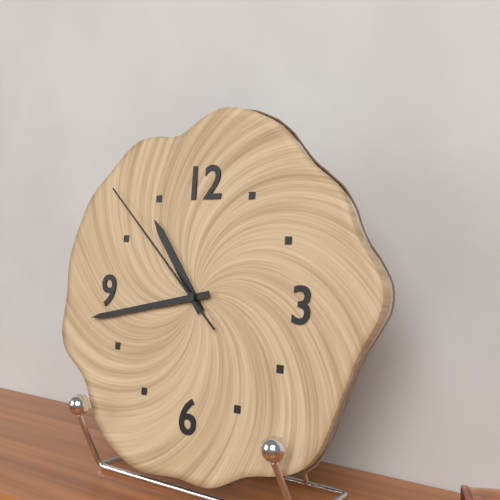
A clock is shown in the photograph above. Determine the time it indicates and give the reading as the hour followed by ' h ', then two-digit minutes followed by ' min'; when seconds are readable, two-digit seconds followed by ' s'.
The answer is 10 h 43 min 52 s
